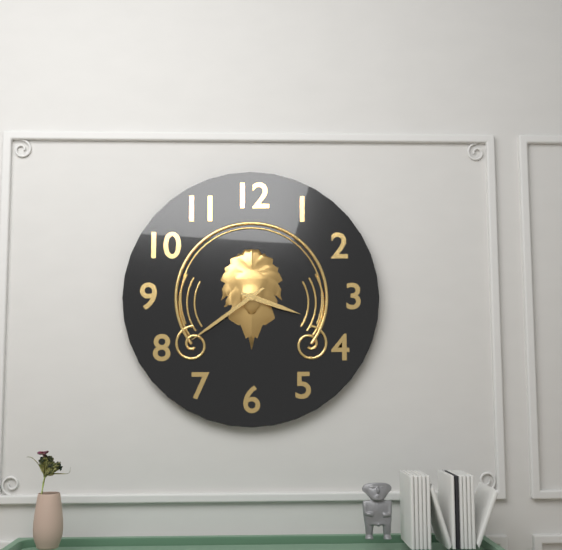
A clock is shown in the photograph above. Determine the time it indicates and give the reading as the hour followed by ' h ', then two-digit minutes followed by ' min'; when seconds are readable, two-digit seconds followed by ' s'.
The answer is 3 h 39 min
